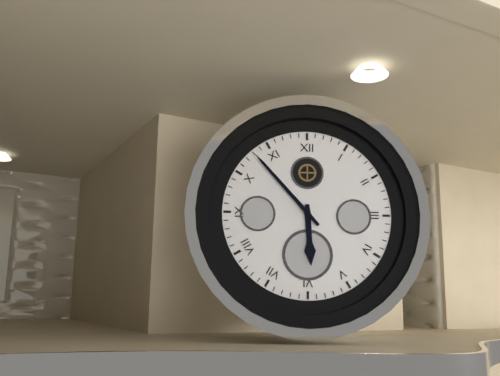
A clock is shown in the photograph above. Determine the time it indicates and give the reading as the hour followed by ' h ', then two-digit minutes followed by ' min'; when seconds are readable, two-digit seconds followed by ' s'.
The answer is 5 h 53 min
